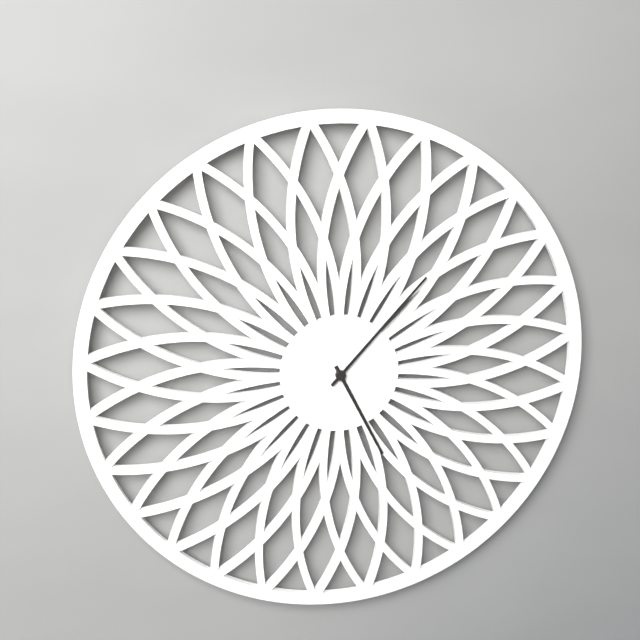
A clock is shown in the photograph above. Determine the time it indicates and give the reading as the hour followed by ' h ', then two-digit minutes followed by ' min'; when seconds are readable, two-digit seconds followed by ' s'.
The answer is 5 h 07 min
